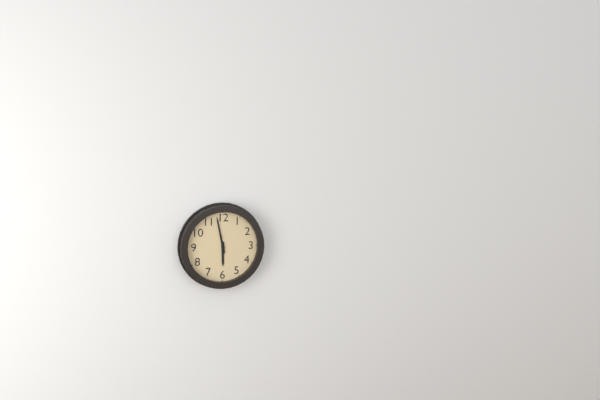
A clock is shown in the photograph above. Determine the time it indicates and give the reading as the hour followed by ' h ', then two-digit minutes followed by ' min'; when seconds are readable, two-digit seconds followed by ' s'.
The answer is 5 h 58 min
